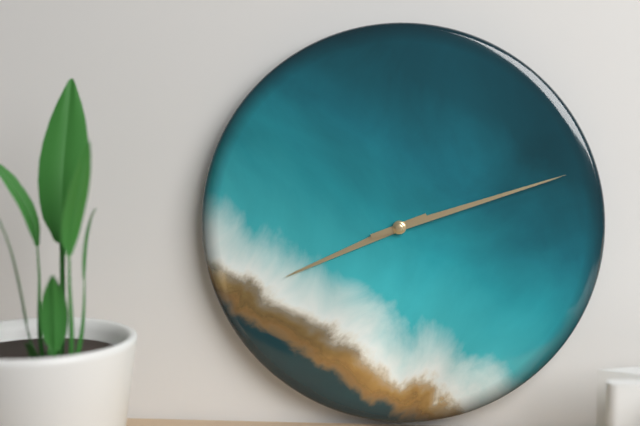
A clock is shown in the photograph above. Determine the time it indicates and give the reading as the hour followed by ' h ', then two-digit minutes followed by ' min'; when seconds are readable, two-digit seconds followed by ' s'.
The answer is 8 h 12 min
